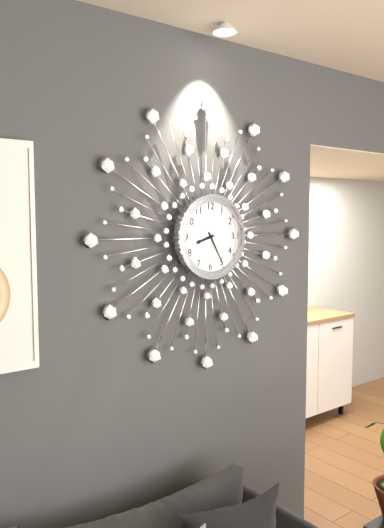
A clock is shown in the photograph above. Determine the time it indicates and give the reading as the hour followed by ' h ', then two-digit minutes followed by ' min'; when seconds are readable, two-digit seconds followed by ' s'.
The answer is 8 h 25 min
